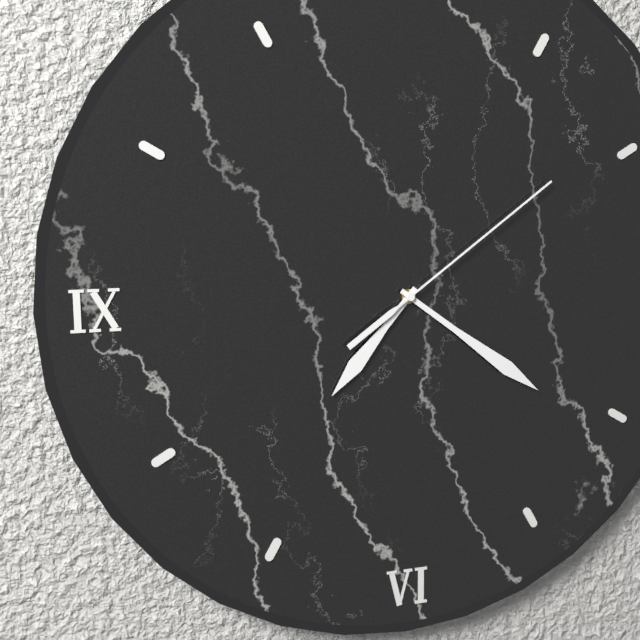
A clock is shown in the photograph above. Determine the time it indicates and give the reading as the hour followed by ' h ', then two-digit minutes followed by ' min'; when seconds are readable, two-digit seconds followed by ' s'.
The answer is 7 h 21 min 09 s
